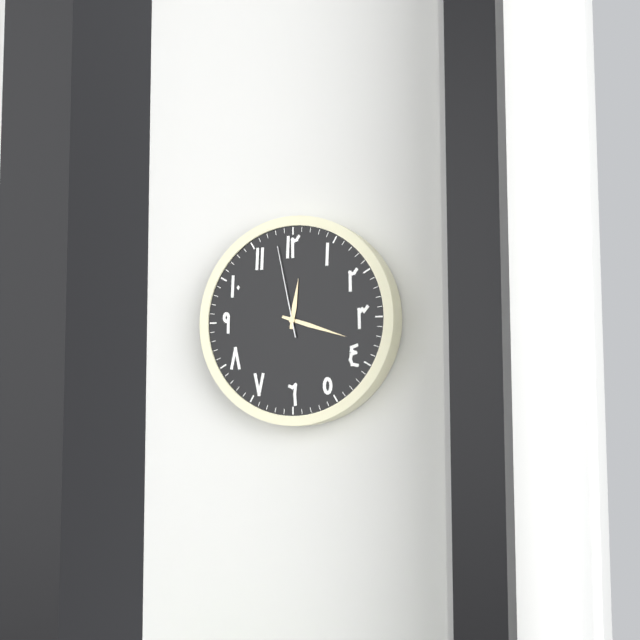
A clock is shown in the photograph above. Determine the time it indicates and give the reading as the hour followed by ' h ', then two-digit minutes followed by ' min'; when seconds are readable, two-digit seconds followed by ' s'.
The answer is 12 h 18 min 58 s
